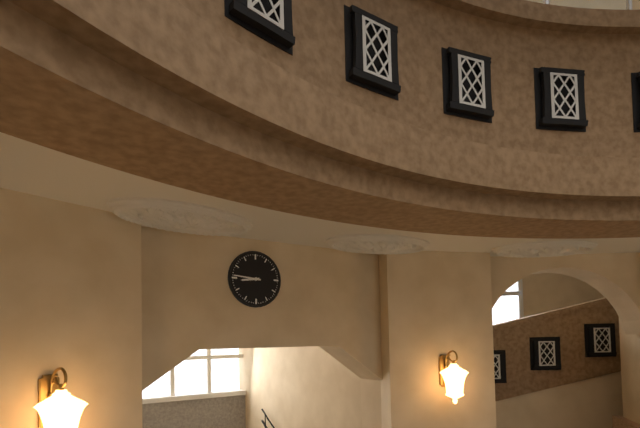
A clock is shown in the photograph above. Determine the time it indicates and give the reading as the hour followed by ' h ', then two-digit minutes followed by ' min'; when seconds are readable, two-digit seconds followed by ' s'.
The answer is 8 h 46 min
